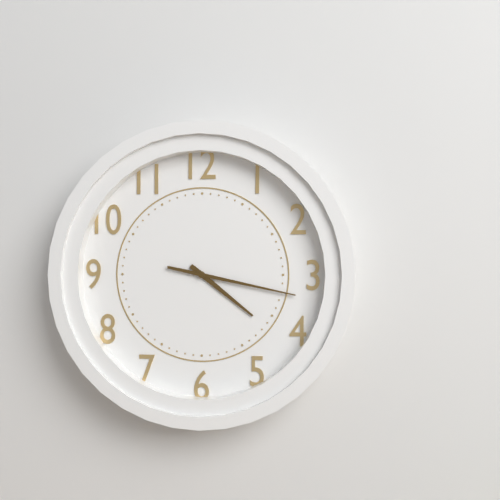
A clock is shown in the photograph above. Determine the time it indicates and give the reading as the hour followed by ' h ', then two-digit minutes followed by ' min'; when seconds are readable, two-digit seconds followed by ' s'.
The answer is 4 h 17 min
